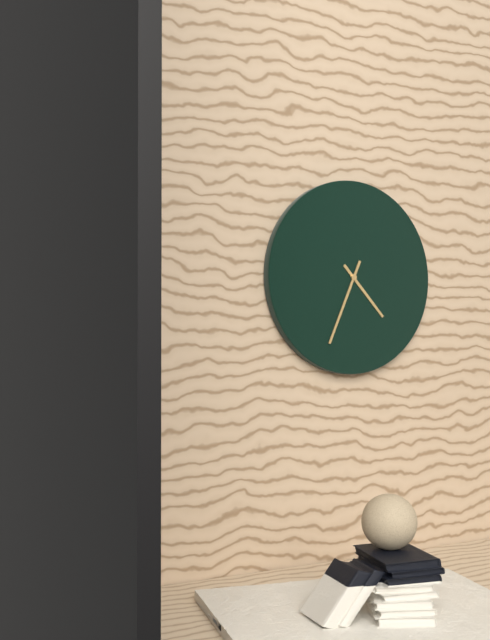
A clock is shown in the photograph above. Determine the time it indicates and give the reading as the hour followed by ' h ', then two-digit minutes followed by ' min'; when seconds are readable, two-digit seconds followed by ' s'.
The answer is 4 h 34 min
